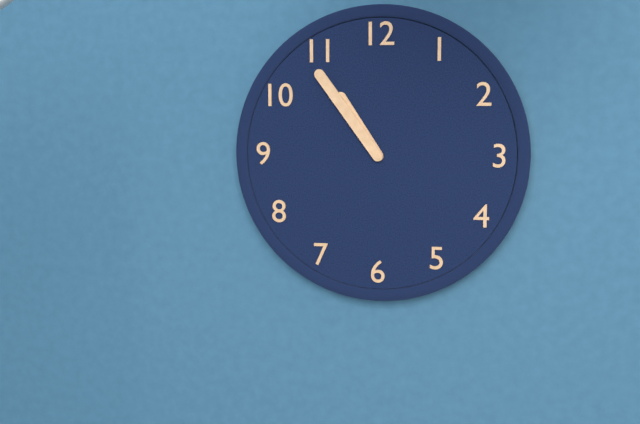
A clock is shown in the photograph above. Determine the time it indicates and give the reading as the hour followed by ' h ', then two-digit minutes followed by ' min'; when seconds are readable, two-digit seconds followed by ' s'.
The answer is 10 h 54 min
